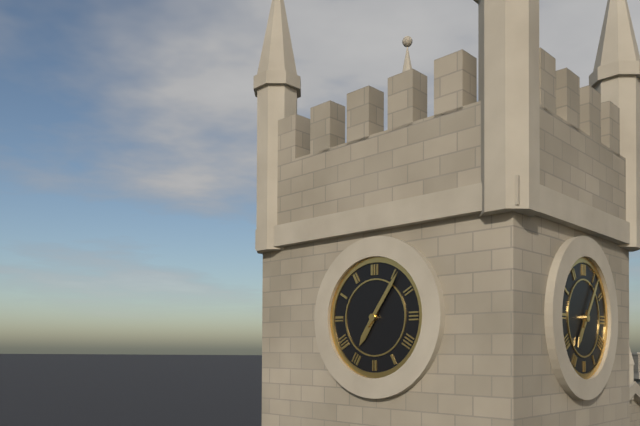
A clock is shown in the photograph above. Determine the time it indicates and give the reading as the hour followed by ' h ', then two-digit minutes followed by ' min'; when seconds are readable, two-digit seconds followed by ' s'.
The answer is 7 h 06 min
